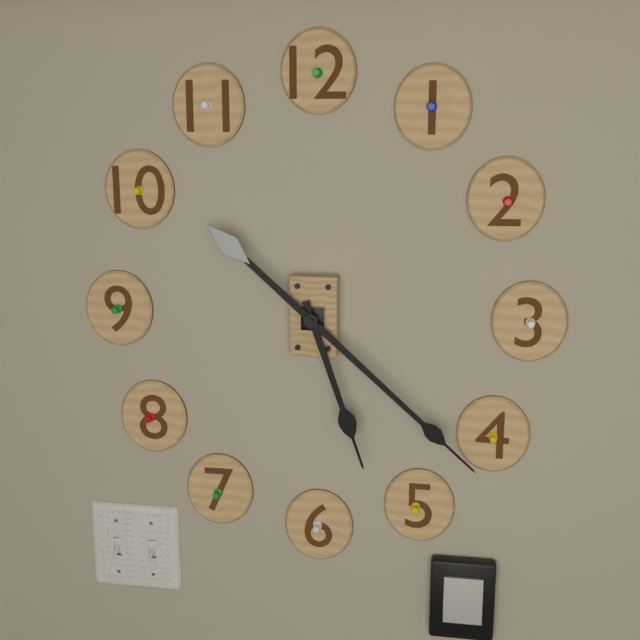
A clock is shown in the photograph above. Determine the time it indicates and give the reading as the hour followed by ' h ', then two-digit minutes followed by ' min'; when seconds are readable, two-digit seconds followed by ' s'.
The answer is 5 h 22 min
